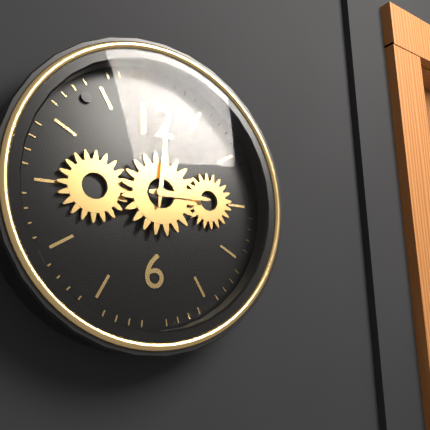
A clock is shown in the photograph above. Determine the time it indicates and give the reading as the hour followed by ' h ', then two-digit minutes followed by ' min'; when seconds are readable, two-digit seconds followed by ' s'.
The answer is 3 h 01 min
